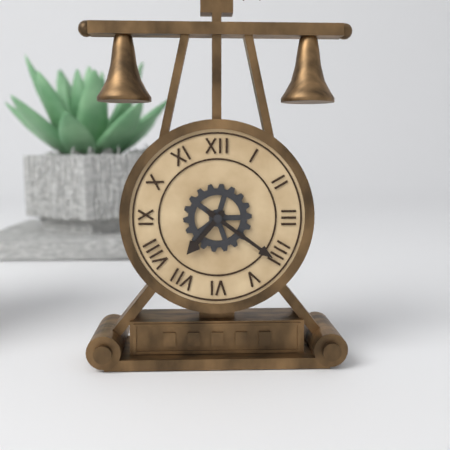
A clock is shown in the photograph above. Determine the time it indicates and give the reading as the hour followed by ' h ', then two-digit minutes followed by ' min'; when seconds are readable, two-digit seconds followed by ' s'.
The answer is 7 h 21 min
